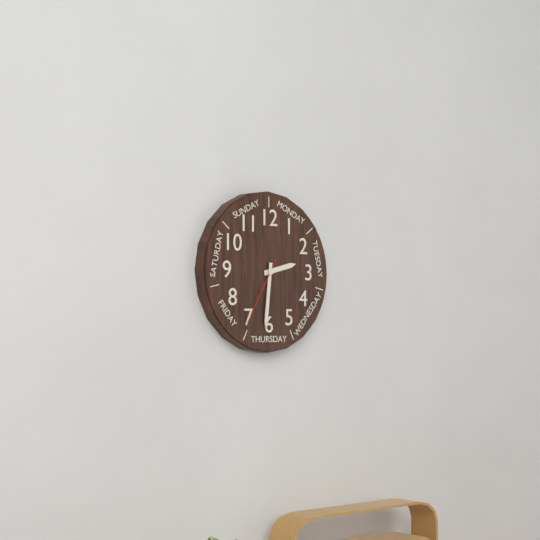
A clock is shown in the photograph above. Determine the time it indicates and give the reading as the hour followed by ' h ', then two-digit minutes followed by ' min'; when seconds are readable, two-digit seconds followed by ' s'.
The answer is 2 h 31 min 35 s
